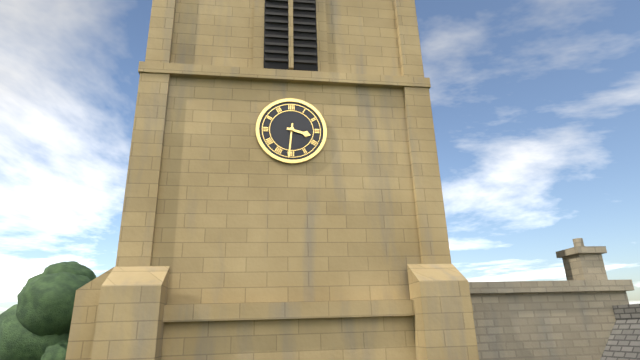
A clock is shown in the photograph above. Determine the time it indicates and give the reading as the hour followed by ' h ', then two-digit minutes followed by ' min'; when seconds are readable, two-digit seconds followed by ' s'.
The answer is 3 h 31 min
